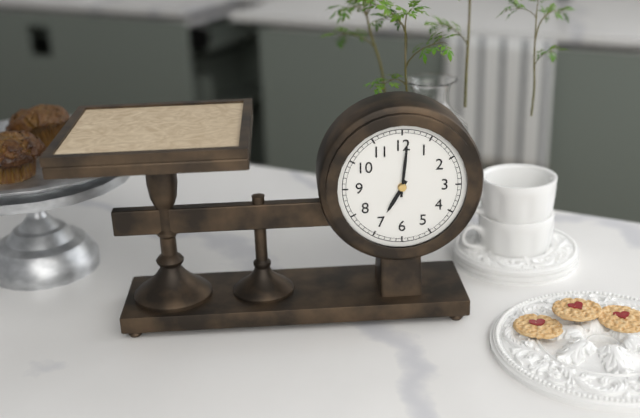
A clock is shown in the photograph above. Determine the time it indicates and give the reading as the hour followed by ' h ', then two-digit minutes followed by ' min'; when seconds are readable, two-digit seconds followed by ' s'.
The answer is 7 h 01 min
